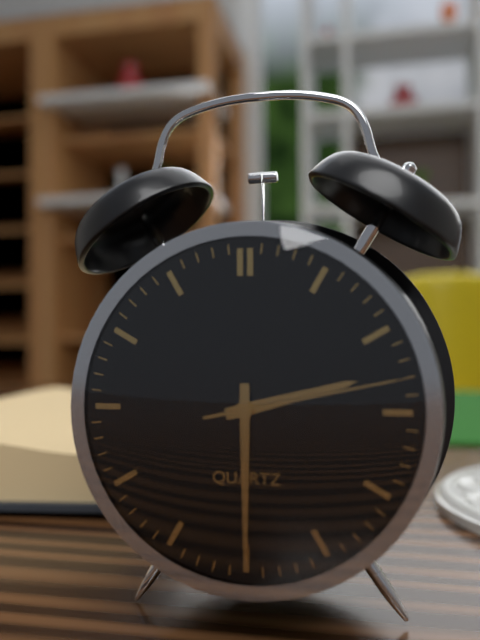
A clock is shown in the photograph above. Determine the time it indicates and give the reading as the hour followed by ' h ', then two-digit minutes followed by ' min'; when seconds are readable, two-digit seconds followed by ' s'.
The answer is 2 h 30 min 13 s
